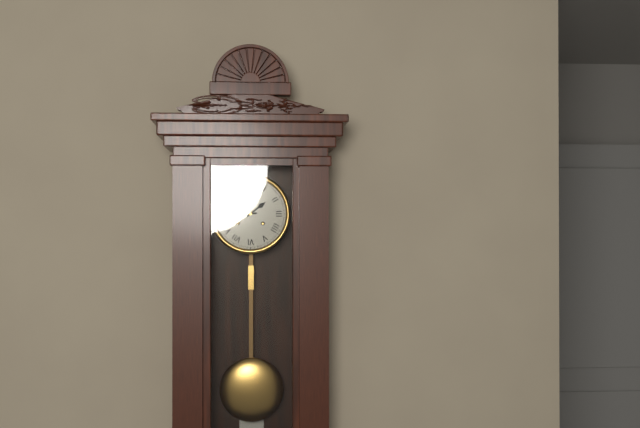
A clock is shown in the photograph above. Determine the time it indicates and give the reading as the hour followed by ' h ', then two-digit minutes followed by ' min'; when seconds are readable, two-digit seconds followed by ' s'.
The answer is 1 h 44 min
